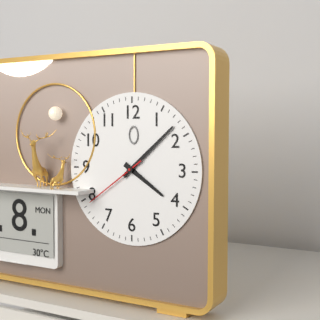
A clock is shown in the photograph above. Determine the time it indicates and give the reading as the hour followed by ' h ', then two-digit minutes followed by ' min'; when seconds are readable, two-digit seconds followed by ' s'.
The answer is 4 h 08 min 39 s
